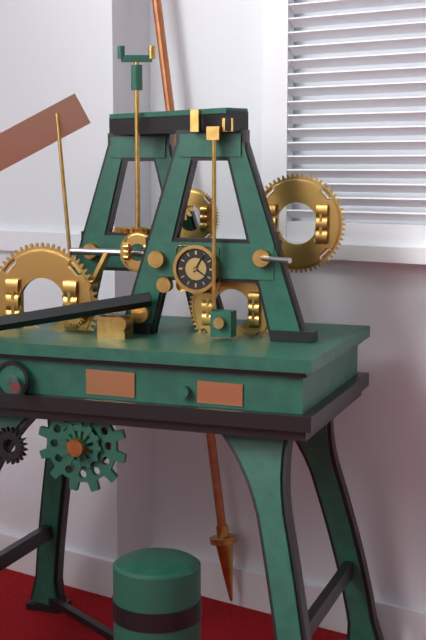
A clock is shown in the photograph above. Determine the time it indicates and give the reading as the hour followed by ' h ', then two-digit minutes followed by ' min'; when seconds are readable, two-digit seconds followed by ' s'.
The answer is 4 h 05 min
